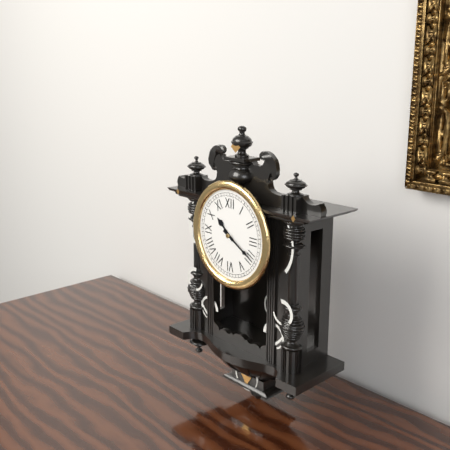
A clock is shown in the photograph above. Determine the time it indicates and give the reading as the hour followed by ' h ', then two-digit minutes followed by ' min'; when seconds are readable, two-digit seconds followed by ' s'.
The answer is 10 h 20 min
